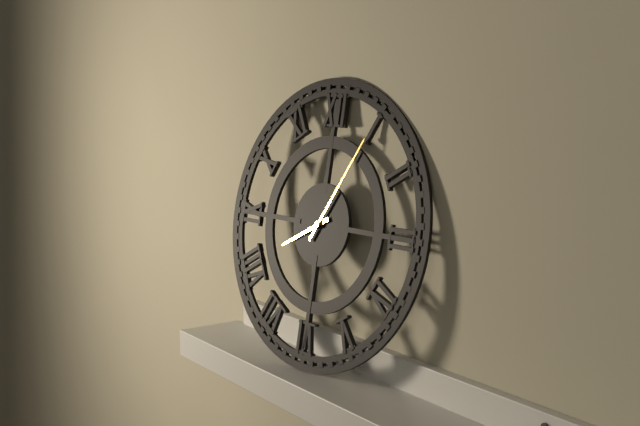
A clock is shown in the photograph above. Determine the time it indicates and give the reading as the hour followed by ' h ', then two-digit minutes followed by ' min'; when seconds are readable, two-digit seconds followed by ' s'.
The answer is 8 h 05 min
